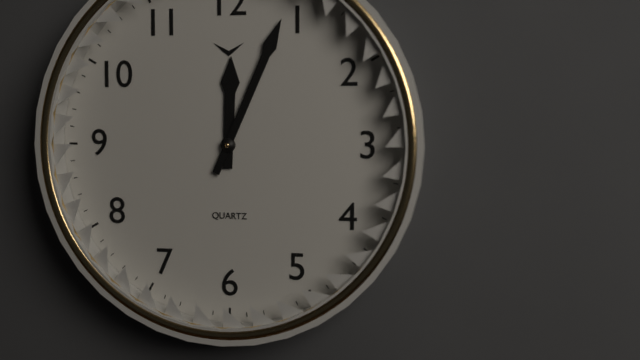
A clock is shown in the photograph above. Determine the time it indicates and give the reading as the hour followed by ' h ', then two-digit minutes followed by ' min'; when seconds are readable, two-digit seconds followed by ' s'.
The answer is 12 h 04 min
